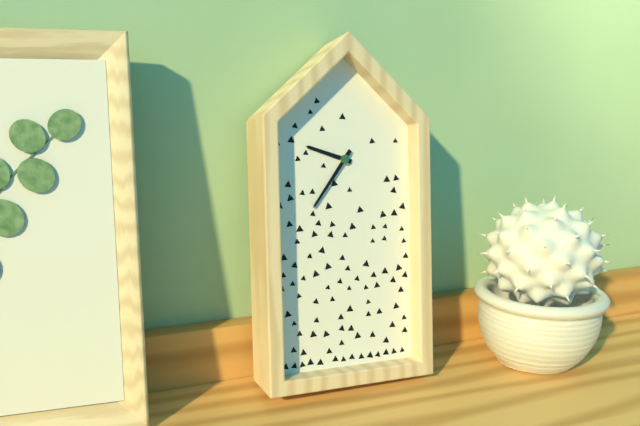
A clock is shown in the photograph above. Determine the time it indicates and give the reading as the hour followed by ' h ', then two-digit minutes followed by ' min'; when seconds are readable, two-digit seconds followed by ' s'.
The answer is 9 h 36 min
